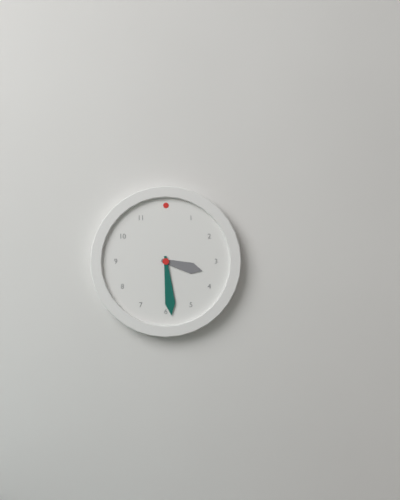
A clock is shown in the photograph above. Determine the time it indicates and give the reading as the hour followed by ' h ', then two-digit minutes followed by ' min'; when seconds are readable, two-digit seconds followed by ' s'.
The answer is 3 h 29 min
